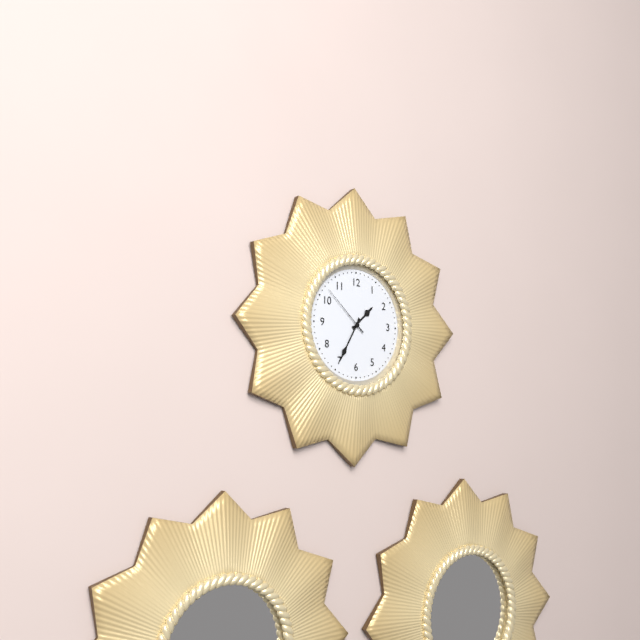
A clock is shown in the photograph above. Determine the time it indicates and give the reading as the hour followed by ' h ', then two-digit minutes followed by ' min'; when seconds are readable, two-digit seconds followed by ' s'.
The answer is 1 h 35 min 52 s
